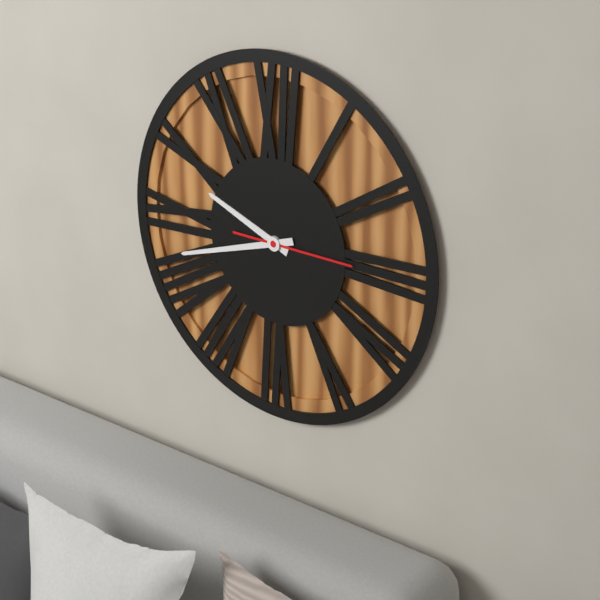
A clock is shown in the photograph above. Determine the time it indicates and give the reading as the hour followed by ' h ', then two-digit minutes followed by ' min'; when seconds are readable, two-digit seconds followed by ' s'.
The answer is 9 h 42 min 15 s
